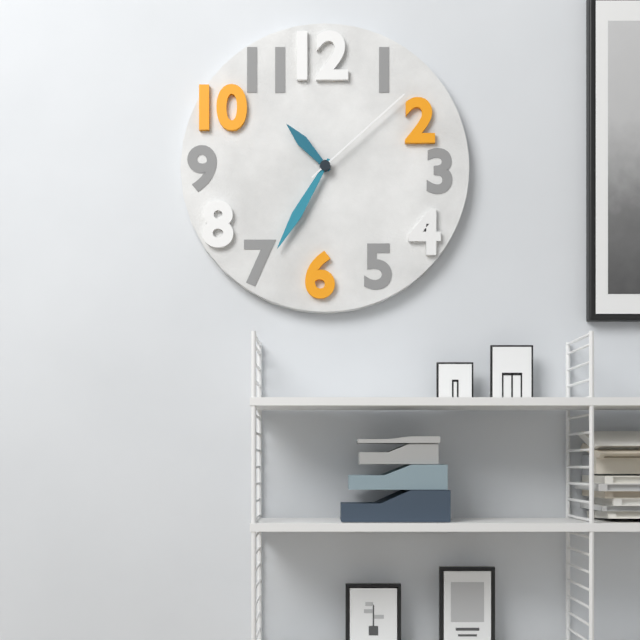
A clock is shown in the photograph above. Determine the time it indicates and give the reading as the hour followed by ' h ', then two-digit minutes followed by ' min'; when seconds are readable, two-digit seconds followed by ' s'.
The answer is 10 h 35 min 08 s
